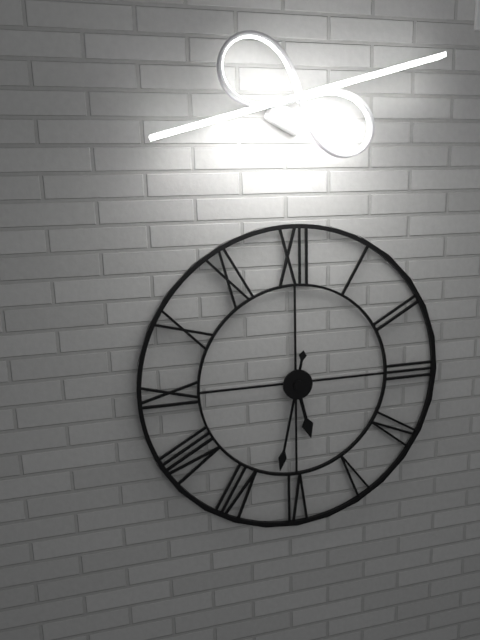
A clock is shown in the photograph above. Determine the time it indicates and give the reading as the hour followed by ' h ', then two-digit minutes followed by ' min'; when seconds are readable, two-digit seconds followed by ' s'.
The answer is 5 h 32 min
